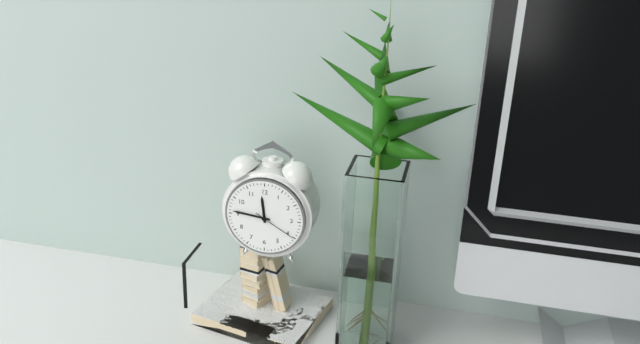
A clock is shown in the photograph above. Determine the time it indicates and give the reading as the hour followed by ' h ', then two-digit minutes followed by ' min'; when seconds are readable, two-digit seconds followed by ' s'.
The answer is 11 h 46 min
